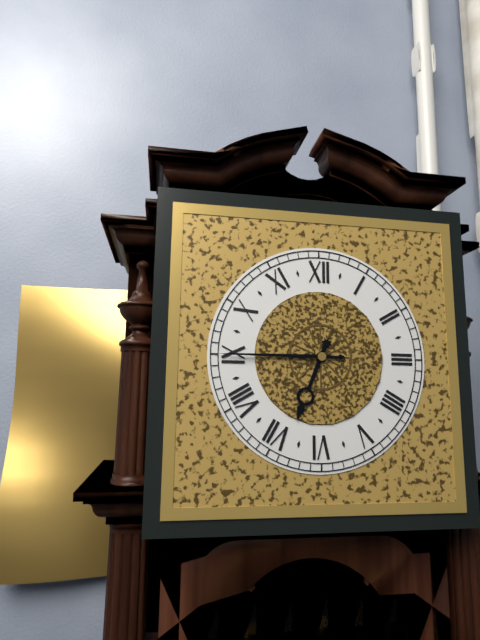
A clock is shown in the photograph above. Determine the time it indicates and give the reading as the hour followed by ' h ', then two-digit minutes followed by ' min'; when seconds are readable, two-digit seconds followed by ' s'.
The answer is 6 h 45 min
